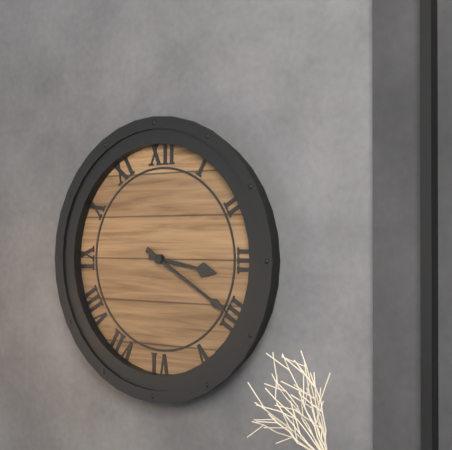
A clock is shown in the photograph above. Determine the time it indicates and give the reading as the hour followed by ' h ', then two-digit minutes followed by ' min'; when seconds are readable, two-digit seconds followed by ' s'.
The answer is 3 h 20 min
